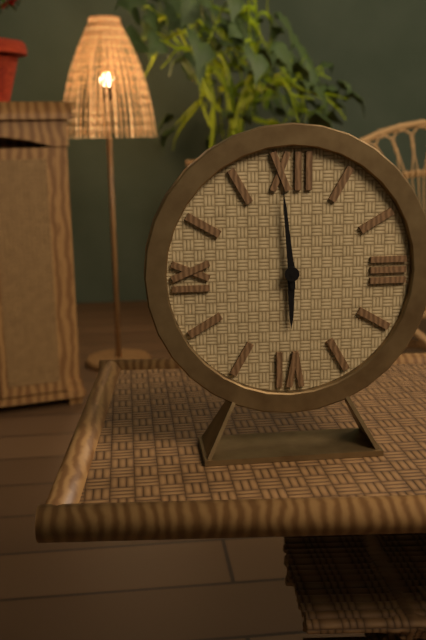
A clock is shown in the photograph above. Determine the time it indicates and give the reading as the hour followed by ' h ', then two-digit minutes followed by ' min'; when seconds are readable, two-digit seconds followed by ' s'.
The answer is 5 h 59 min
